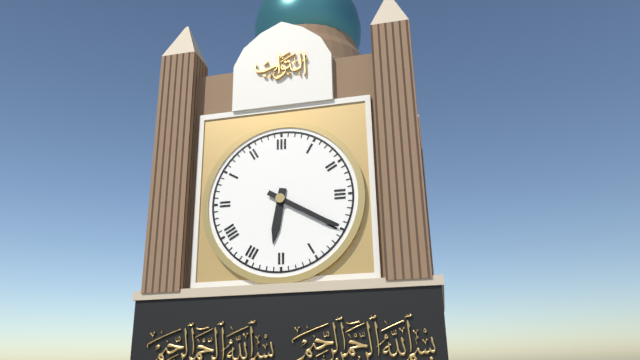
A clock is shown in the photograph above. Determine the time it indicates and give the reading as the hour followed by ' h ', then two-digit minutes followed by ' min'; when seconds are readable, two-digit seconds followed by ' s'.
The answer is 6 h 20 min
